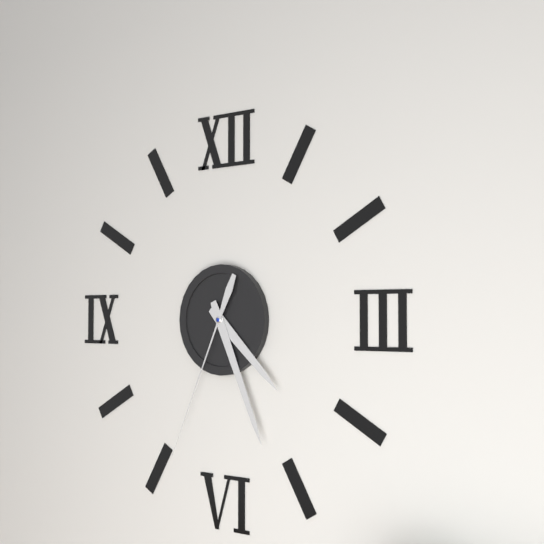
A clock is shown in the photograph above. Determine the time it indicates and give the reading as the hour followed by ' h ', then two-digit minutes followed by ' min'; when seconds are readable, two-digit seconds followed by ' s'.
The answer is 4 h 26 min 34 s
